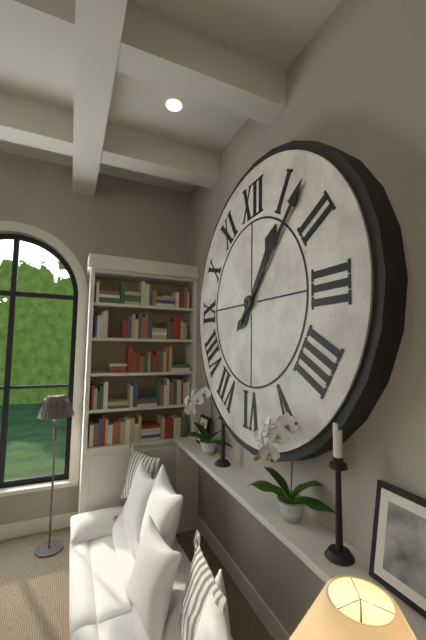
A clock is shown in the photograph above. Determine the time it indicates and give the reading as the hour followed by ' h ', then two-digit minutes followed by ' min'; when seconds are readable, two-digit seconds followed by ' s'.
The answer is 1 h 07 min
